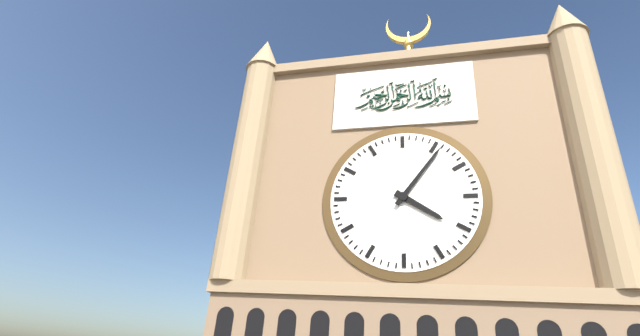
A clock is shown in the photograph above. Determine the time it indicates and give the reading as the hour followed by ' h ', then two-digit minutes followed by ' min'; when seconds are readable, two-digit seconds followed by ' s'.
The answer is 4 h 06 min
